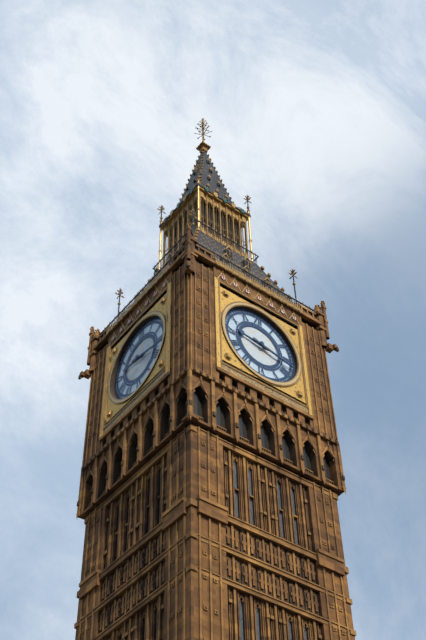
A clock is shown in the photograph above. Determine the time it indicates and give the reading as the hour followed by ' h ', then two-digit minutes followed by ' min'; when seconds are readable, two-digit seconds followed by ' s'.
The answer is 9 h 17 min
